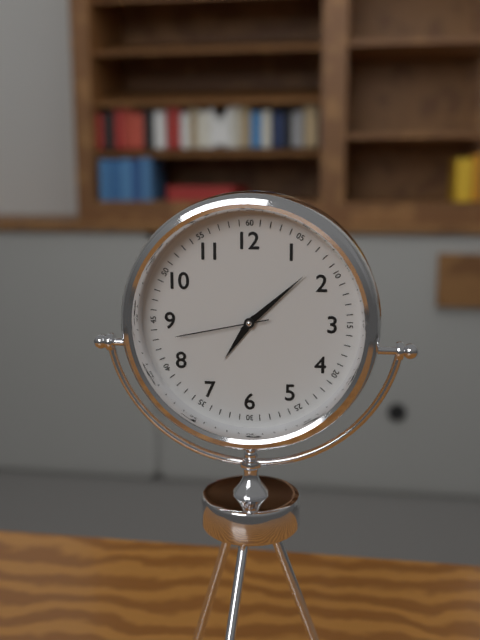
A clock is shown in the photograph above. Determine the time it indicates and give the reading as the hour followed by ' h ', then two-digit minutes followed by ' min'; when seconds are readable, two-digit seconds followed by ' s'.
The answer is 7 h 08 min 43 s
